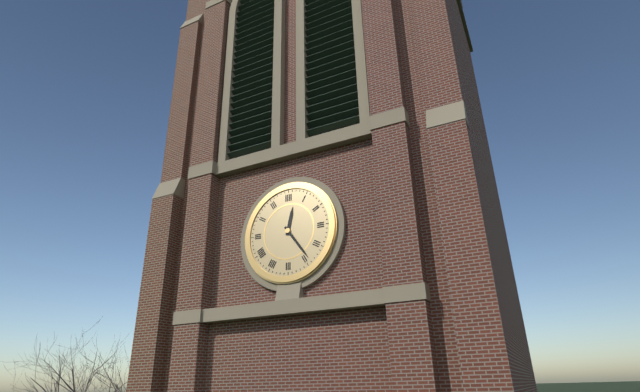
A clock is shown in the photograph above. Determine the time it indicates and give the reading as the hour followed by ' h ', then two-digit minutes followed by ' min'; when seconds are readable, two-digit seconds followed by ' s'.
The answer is 12 h 24 min
